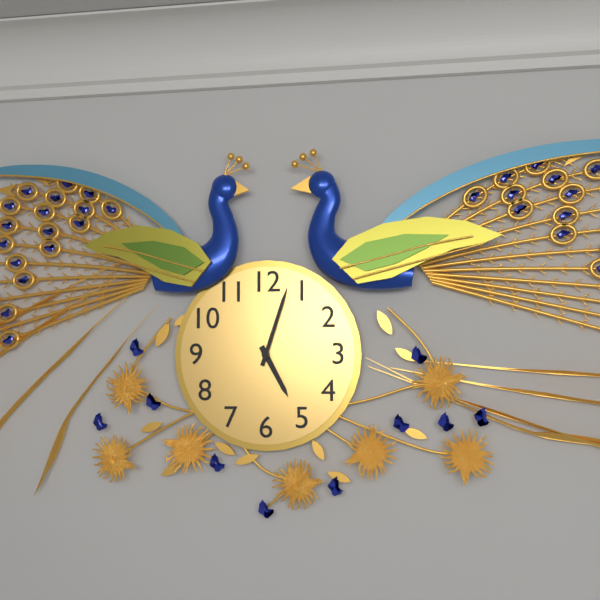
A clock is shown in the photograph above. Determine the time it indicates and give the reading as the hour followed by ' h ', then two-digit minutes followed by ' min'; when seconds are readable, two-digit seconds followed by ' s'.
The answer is 5 h 03 min
